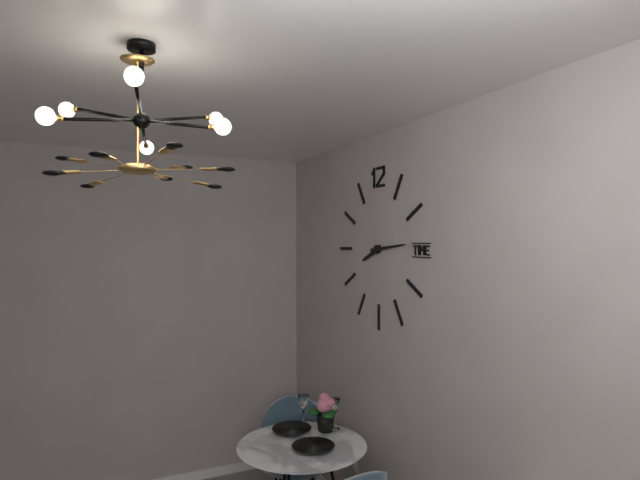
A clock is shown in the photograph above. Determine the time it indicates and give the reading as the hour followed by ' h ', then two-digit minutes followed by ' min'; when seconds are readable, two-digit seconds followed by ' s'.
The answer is 8 h 14 min
